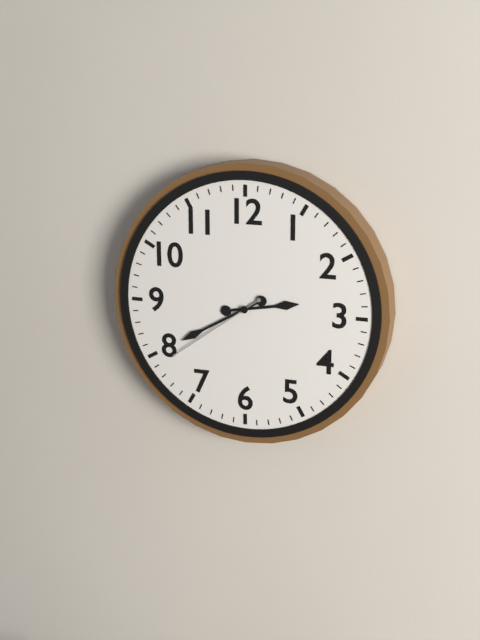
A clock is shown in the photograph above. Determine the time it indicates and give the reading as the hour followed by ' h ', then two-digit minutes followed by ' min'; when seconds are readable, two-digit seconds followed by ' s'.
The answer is 2 h 40 min 39 s
